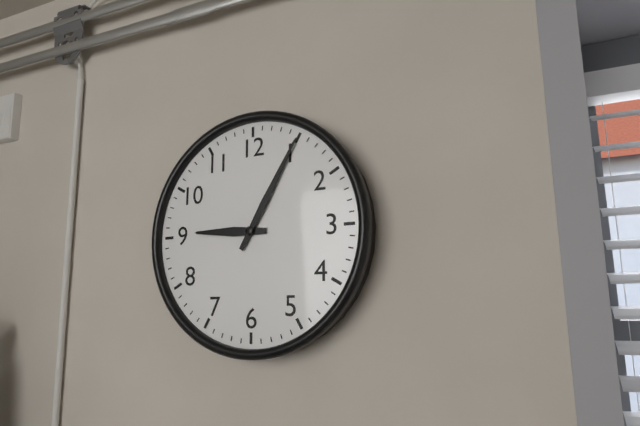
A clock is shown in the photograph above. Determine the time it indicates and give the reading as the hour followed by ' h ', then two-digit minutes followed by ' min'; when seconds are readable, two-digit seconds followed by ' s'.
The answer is 9 h 05 min
